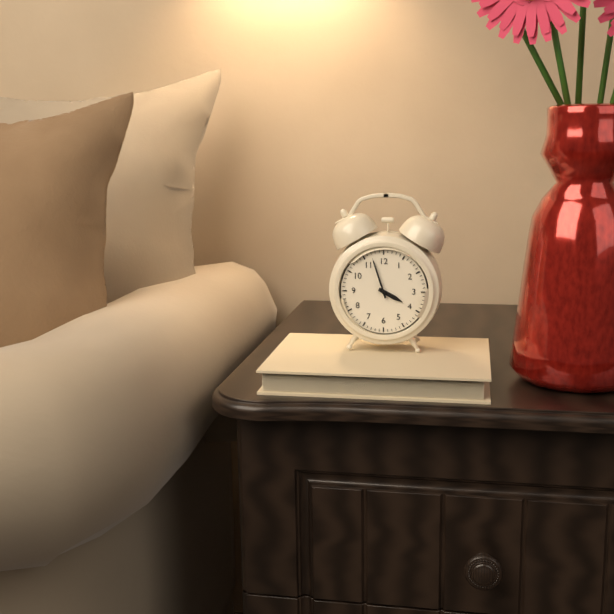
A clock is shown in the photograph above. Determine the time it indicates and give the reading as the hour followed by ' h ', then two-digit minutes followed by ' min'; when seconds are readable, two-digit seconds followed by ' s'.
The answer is 3 h 57 min
